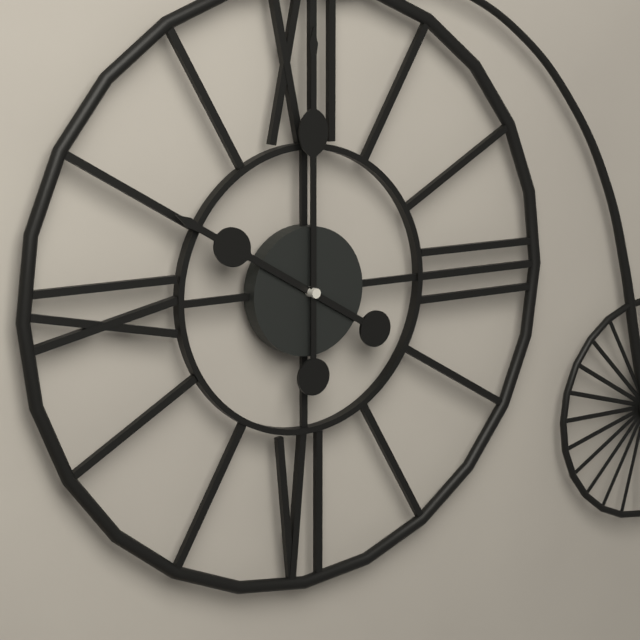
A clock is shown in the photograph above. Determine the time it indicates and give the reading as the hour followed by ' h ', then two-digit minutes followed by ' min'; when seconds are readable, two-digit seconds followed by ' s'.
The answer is 10 h 00 min
